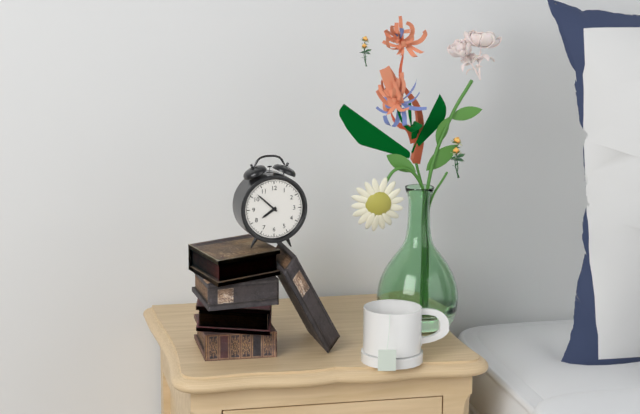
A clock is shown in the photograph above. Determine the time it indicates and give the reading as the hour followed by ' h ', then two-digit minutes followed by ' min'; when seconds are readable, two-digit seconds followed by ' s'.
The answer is 7 h 52 min
